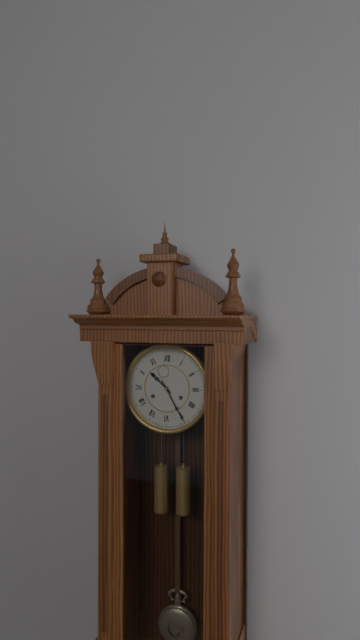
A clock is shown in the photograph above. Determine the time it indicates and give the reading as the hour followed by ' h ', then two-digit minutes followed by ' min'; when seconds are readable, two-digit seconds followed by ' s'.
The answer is 10 h 25 min
